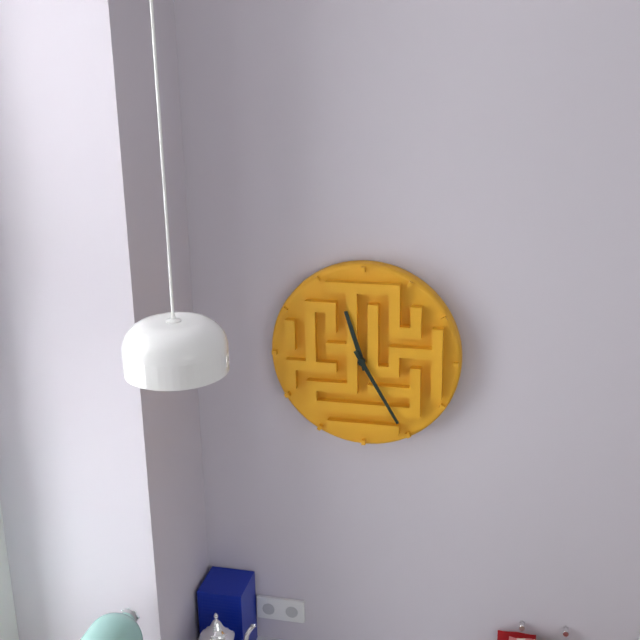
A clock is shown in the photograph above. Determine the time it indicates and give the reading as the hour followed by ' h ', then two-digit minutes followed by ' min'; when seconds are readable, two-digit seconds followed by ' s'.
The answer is 11 h 25 min
